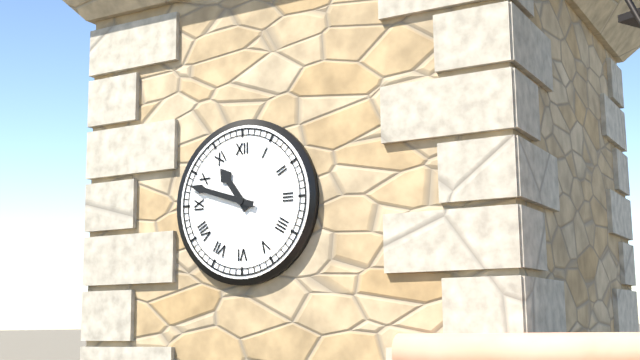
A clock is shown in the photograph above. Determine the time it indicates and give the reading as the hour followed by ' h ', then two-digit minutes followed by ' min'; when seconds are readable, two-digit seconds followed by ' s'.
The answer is 10 h 48 min
